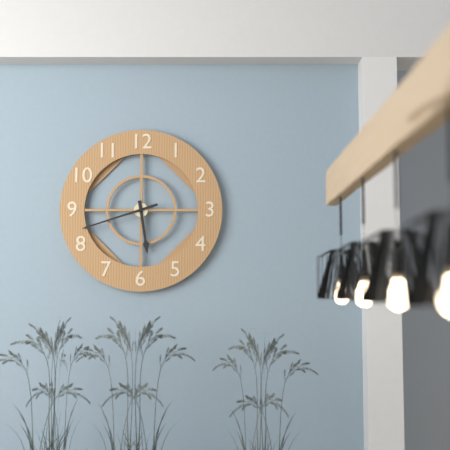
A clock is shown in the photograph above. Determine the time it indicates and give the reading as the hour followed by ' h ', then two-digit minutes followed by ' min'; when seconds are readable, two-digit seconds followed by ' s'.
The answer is 5 h 42 min
